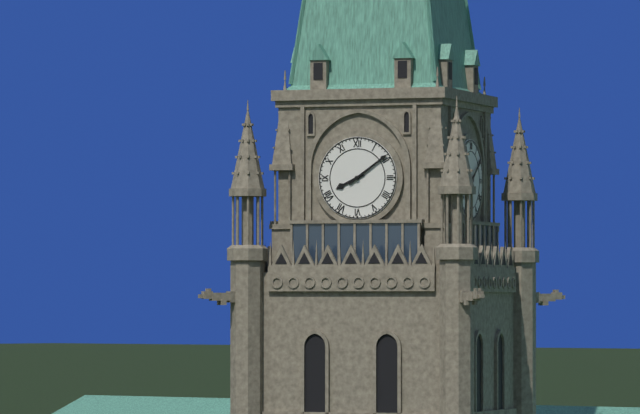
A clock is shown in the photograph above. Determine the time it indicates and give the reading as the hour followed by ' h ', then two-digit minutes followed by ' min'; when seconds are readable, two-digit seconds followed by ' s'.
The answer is 8 h 09 min
